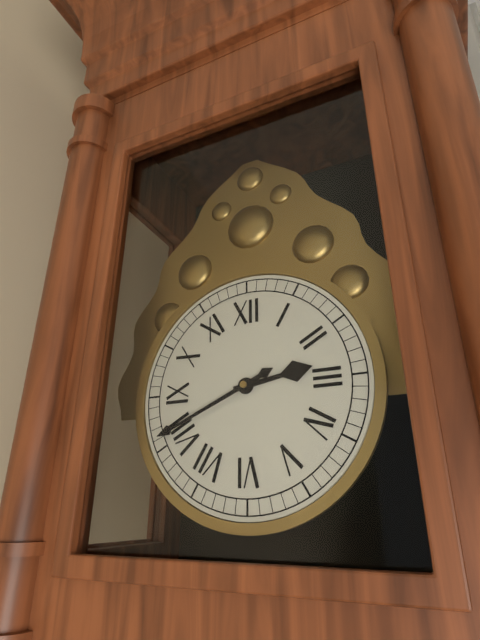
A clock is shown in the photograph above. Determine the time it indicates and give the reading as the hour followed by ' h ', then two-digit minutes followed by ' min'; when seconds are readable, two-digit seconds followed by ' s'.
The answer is 2 h 41 min
